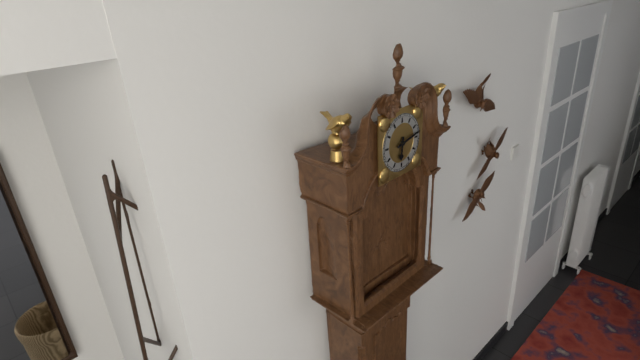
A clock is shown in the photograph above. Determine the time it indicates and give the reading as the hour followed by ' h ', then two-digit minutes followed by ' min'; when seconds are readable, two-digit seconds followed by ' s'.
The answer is 6 h 13 min
